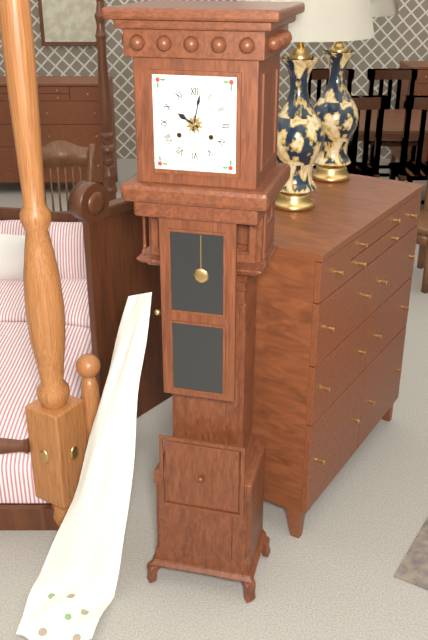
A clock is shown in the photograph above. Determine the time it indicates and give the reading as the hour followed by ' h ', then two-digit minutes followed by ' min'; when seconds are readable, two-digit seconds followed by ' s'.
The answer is 10 h 02 min
